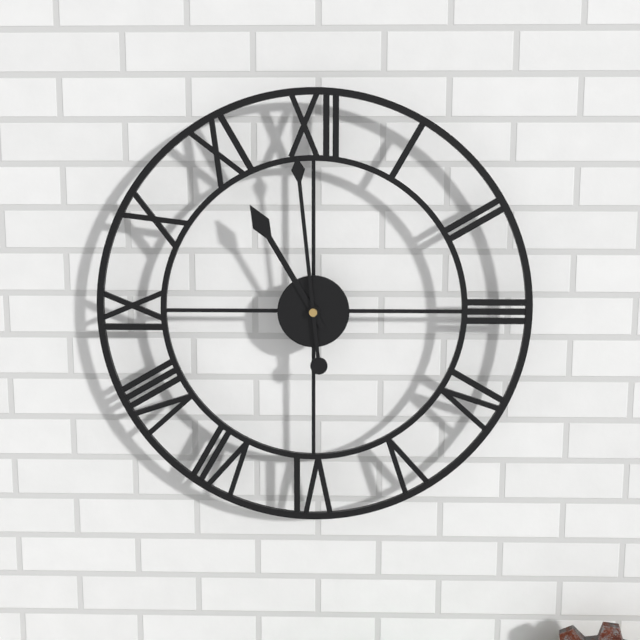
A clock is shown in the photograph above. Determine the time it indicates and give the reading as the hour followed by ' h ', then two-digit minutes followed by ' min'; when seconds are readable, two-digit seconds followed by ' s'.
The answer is 10 h 59 min
